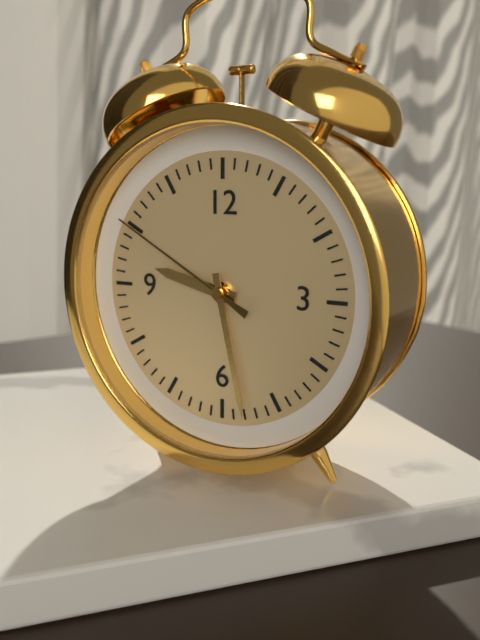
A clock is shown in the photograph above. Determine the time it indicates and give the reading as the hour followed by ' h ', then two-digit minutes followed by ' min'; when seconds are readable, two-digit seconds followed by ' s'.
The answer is 9 h 28 min 50 s
